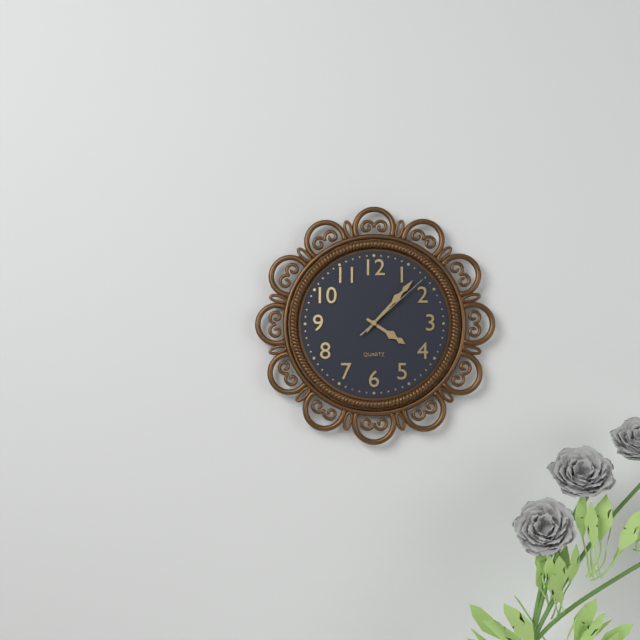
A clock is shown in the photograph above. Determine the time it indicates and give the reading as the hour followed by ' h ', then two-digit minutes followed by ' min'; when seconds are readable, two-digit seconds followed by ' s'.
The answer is 4 h 07 min 08 s
